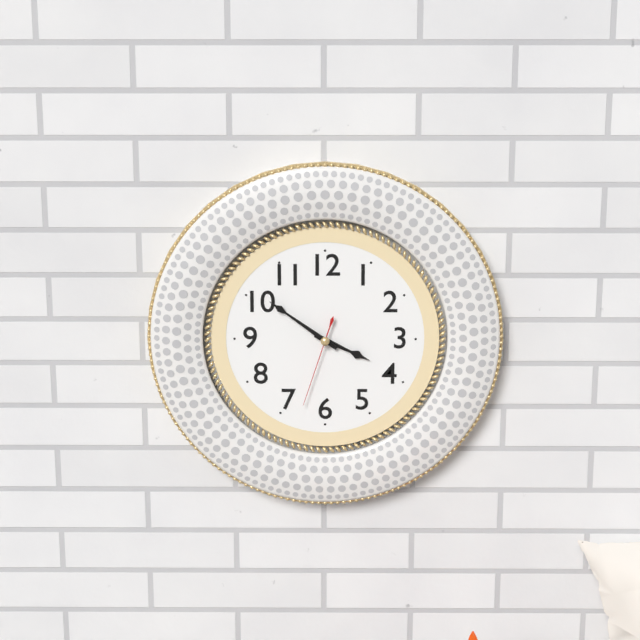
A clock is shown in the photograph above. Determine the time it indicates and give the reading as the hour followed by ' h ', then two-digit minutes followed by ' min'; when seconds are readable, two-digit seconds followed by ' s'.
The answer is 3 h 51 min 33 s
